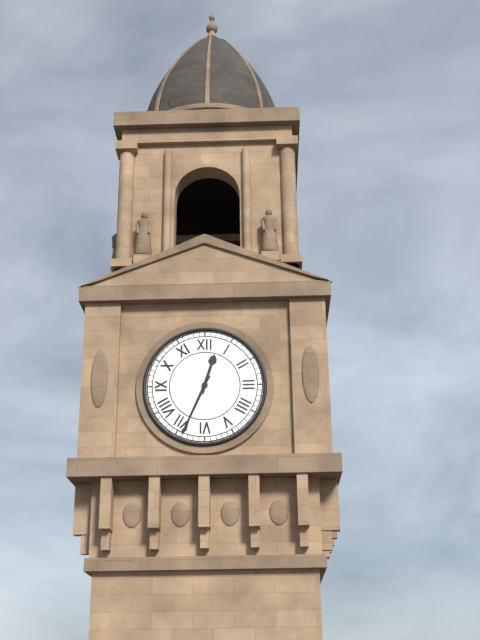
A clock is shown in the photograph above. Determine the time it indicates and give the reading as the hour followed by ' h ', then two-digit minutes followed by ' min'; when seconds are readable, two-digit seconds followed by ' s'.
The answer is 12 h 34 min
